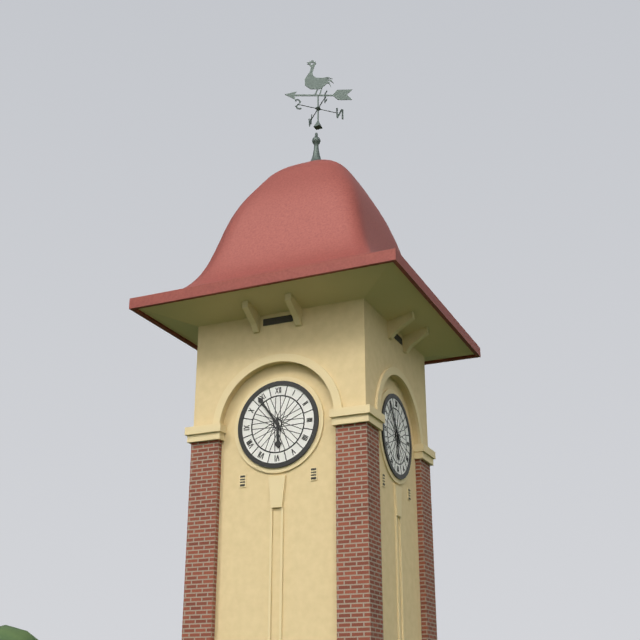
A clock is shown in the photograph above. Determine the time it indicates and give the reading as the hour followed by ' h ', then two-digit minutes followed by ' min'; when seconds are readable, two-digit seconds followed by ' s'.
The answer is 5 h 54 min
